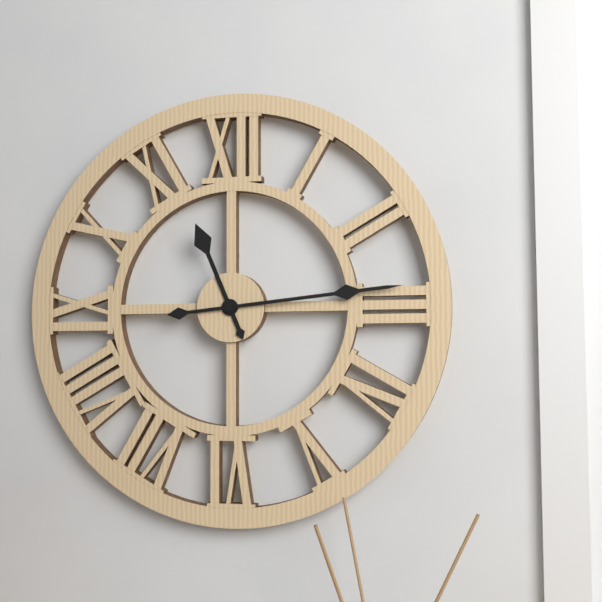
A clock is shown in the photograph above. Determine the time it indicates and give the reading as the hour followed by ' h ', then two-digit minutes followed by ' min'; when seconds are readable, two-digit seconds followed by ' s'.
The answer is 11 h 14 min
